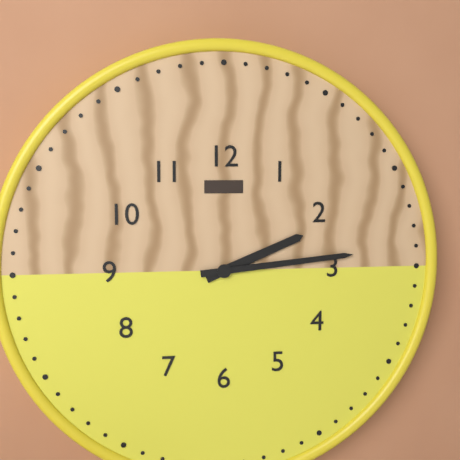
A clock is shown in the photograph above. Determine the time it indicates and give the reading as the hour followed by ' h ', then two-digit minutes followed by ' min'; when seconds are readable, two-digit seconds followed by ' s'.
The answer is 2 h 14 min
